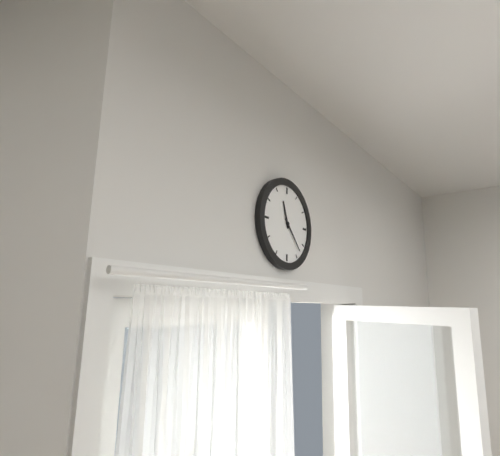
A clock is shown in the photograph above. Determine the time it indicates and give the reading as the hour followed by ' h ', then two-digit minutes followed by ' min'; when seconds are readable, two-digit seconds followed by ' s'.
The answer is 11 h 23 min
